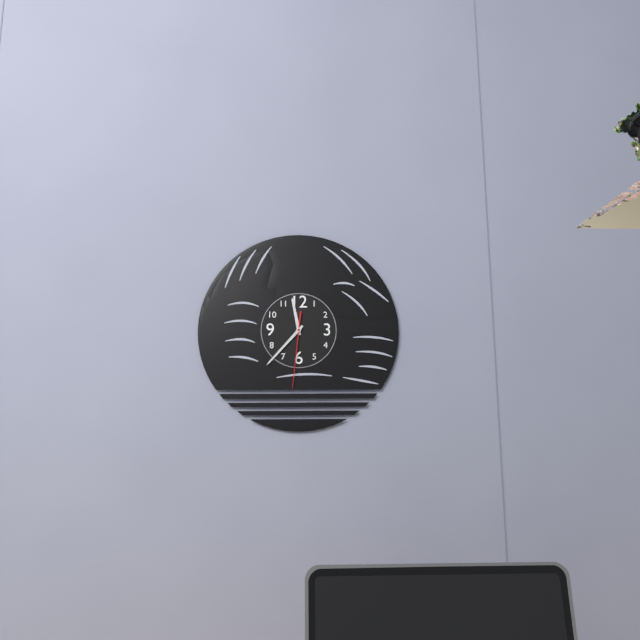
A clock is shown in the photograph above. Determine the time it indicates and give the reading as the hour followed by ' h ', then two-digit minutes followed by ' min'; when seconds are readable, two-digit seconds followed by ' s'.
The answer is 11 h 37 min 31 s
